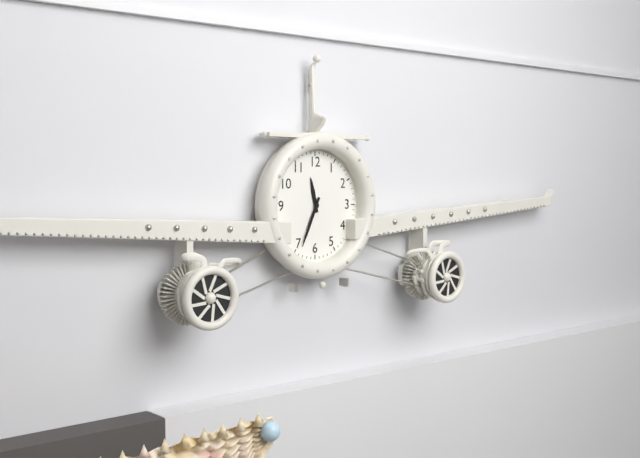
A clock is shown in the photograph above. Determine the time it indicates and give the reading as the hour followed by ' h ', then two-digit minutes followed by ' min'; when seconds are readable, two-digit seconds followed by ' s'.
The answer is 11 h 34 min
